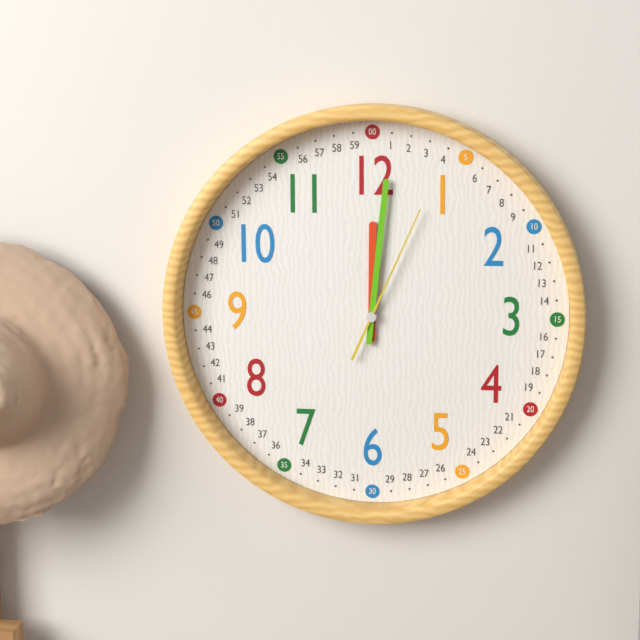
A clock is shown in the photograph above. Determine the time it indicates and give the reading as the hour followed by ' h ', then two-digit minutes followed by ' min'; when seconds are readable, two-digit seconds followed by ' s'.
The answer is 12 h 01 min 04 s
